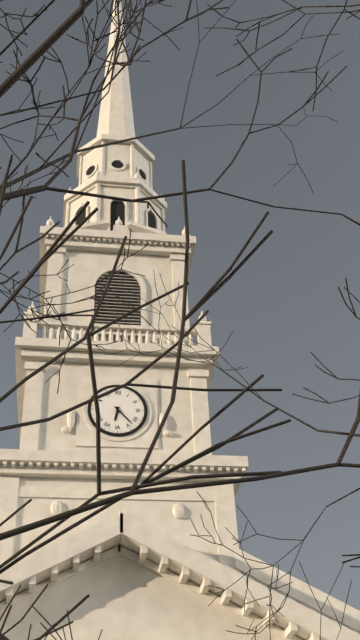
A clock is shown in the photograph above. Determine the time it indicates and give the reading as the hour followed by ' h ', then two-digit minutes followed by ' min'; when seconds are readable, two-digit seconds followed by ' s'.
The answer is 6 h 23 min
